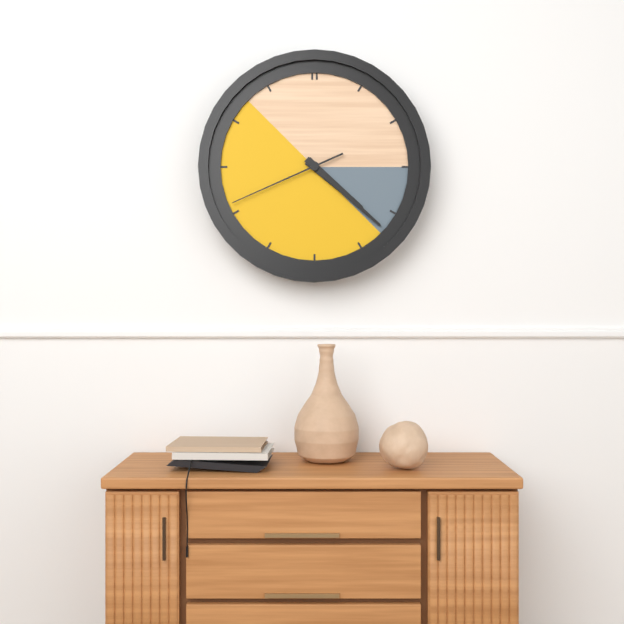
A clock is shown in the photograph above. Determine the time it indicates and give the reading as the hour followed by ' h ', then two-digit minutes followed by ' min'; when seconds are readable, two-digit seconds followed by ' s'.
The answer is 4 h 22 min 41 s
